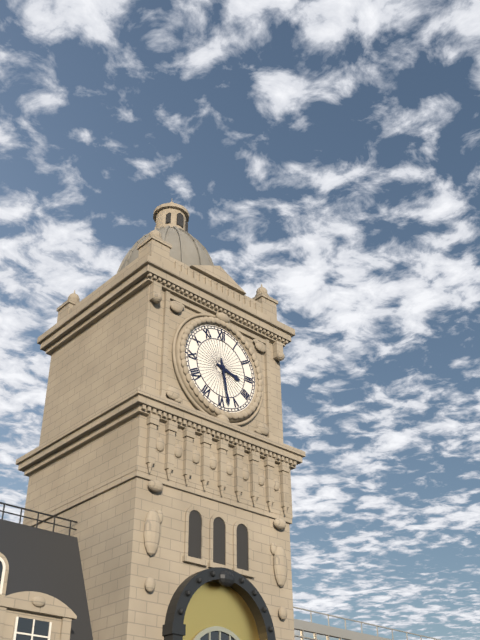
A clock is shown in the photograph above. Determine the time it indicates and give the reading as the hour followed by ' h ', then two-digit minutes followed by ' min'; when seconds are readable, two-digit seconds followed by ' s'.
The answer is 3 h 28 min
